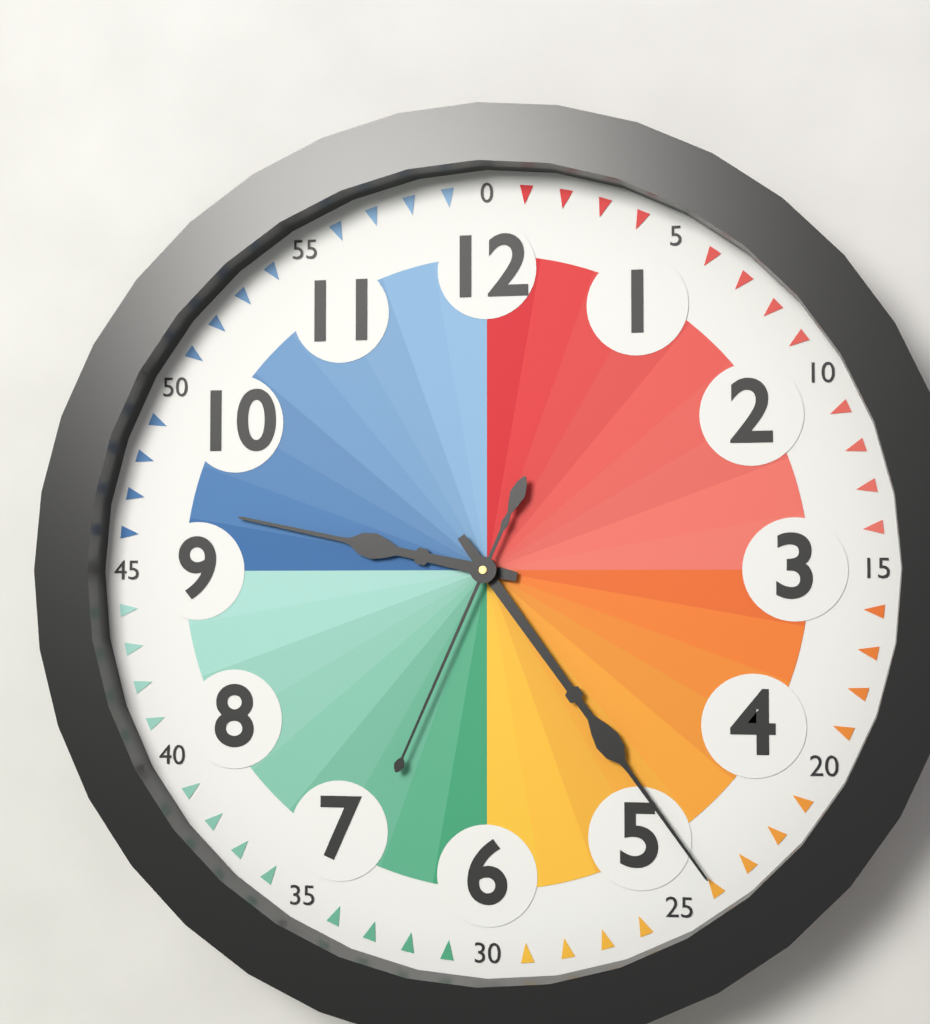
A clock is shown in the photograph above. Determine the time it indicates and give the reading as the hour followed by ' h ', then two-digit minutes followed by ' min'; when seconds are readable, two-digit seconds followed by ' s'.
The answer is 9 h 24 min 34 s
